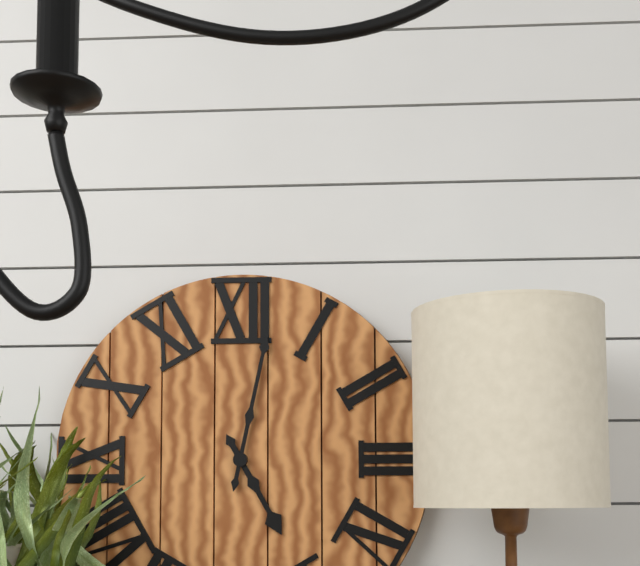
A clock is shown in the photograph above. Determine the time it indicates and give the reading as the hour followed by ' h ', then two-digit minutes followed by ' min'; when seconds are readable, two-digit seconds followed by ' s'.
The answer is 5 h 02 min
